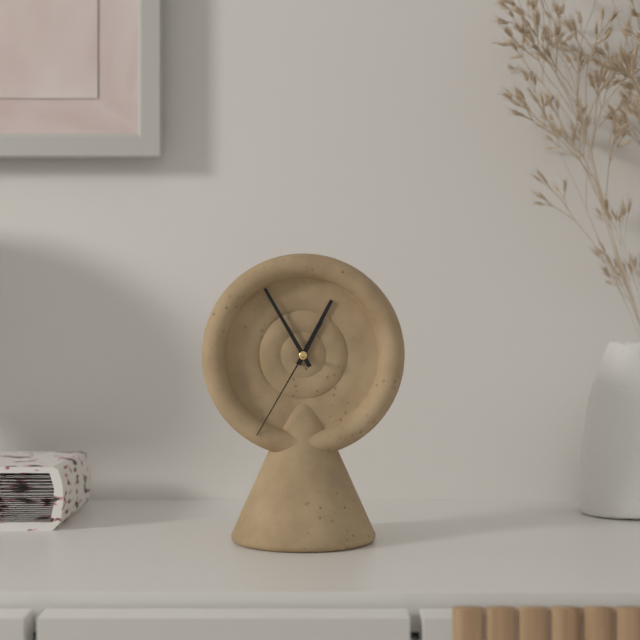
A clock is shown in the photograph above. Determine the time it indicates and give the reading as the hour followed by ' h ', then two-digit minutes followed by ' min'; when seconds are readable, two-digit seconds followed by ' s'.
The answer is 12 h 55 min 35 s
